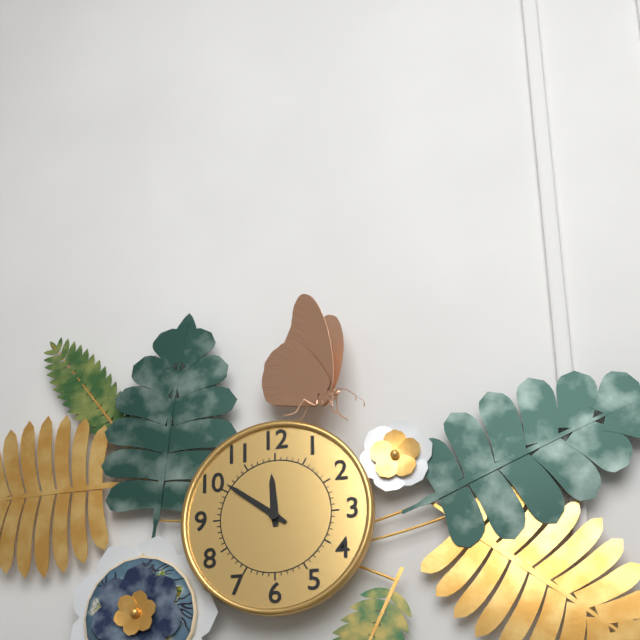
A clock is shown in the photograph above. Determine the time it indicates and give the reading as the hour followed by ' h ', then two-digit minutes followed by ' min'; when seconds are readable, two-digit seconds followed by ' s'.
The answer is 11 h 51 min
